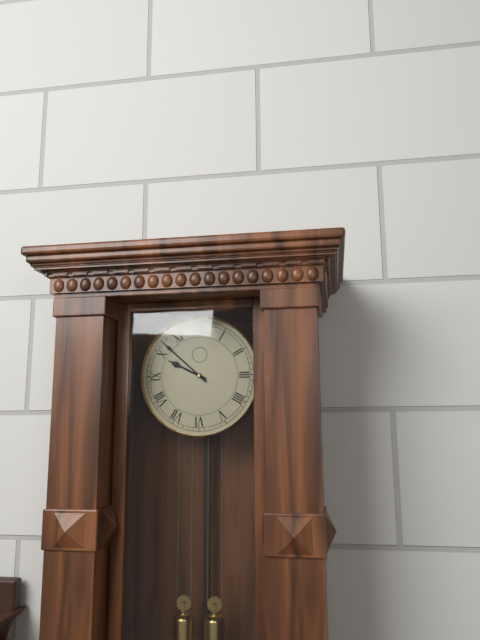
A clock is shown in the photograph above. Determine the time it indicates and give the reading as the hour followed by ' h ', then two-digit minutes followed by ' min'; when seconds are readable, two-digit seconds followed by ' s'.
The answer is 9 h 52 min
